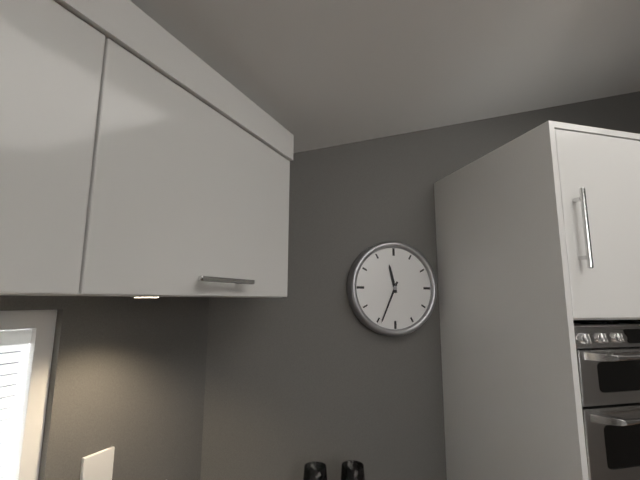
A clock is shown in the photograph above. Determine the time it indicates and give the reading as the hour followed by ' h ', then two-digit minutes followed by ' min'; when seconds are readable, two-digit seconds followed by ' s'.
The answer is 11 h 34 min
